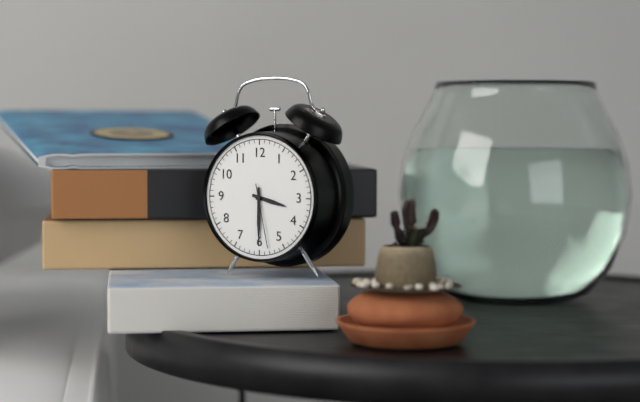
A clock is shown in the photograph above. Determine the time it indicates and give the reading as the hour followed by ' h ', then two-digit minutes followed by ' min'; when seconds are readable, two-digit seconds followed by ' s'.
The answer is 3 h 30 min 28 s
